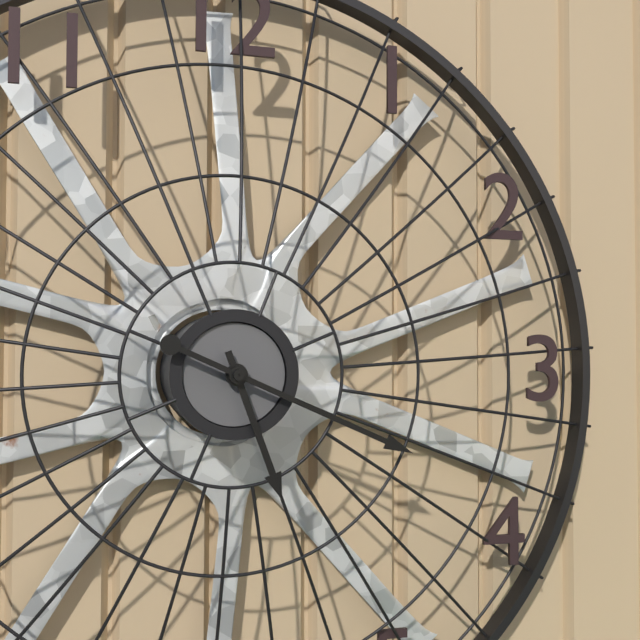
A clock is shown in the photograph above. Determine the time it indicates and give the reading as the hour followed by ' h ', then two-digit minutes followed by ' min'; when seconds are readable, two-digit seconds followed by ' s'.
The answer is 5 h 19 min
